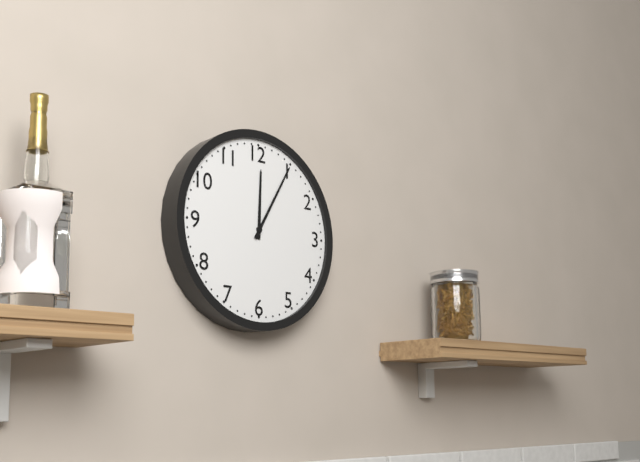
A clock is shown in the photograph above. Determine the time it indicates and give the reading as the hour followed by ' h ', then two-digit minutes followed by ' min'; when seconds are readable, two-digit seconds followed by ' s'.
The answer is 12 h 05 min
